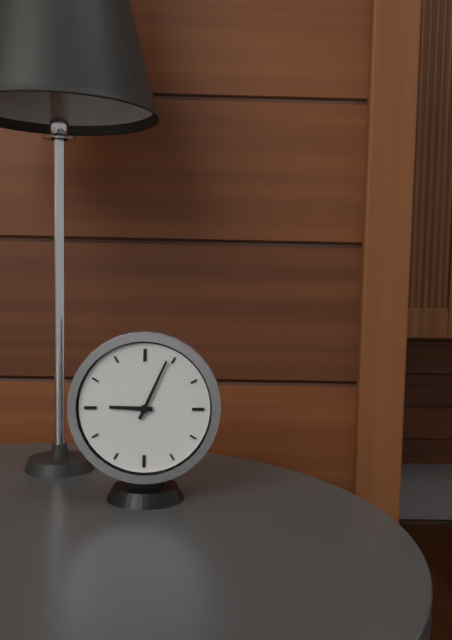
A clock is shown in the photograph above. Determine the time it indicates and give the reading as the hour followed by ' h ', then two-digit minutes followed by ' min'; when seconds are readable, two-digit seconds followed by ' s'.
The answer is 9 h 04 min
